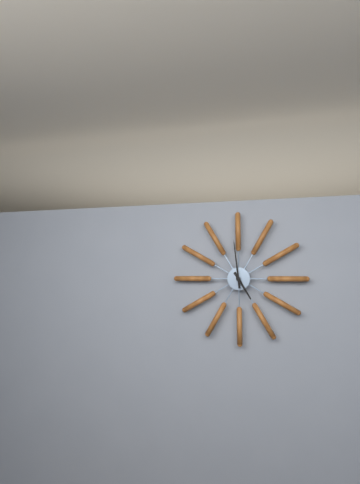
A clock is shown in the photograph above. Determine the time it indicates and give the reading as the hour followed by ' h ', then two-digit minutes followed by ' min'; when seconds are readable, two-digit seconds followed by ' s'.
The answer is 4 h 59 min
